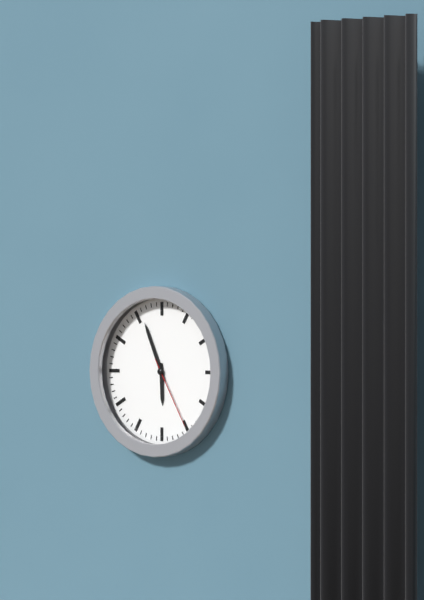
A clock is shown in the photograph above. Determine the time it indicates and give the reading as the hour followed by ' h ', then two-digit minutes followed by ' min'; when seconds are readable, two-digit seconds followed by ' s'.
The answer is 5 h 56 min 25 s
